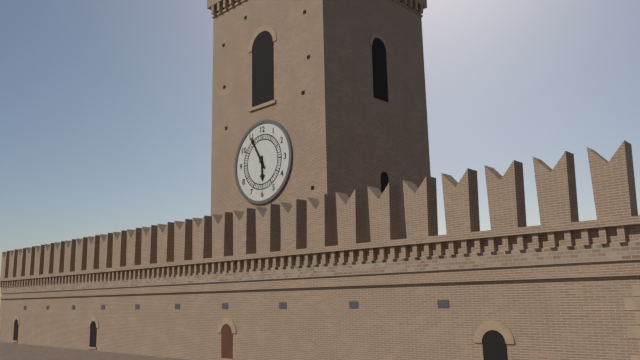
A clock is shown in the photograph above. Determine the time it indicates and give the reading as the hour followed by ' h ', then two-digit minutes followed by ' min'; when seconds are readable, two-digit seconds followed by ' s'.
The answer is 5 h 55 min
